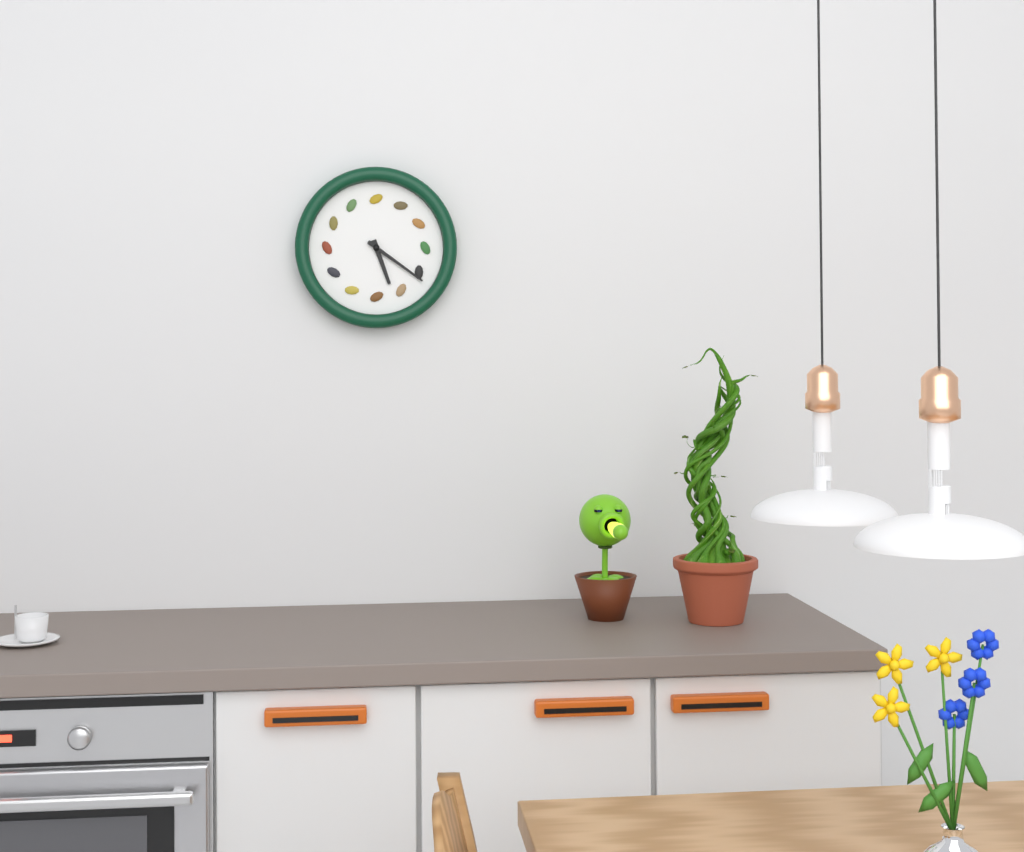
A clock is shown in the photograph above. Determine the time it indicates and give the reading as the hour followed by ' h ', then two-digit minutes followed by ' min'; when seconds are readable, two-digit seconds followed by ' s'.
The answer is 5 h 21 min
